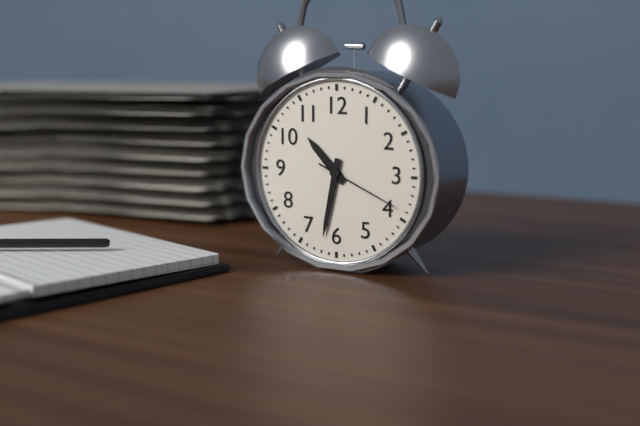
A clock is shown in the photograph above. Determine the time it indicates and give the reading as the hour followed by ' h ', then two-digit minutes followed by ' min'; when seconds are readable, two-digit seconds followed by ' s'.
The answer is 10 h 32 min 19 s
